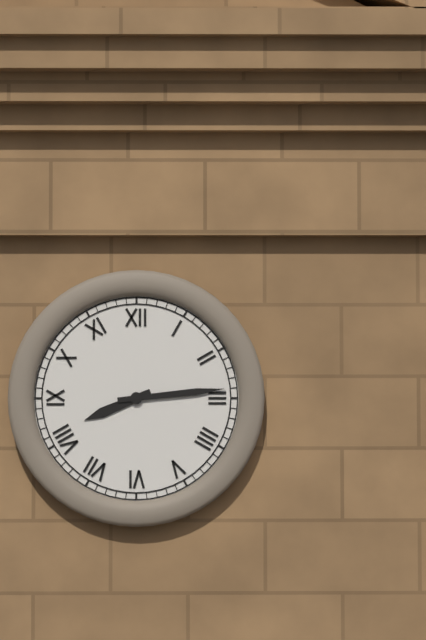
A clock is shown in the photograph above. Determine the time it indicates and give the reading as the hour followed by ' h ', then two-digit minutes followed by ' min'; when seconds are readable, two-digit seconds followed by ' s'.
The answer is 8 h 14 min
